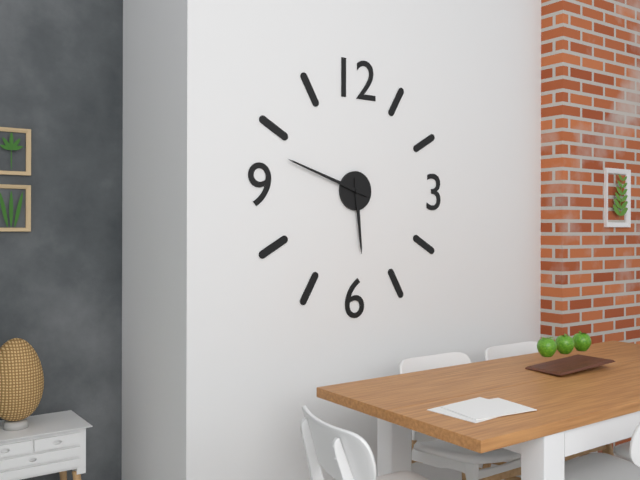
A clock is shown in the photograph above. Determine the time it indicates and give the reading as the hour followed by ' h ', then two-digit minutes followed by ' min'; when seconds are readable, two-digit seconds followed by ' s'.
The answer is 5 h 48 min
